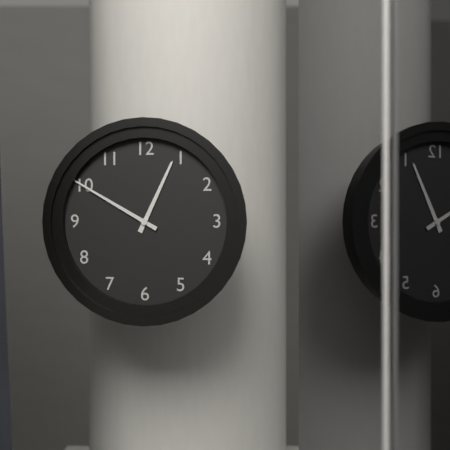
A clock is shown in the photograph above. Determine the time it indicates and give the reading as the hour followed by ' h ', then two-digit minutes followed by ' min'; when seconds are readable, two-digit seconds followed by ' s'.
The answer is 12 h 50 min
